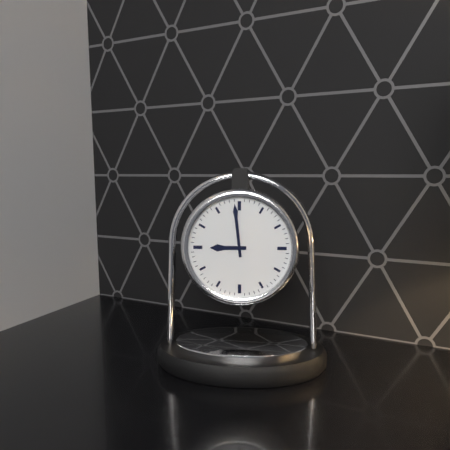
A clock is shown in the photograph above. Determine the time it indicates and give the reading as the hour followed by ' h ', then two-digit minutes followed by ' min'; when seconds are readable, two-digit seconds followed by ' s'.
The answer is 8 h 59 min
